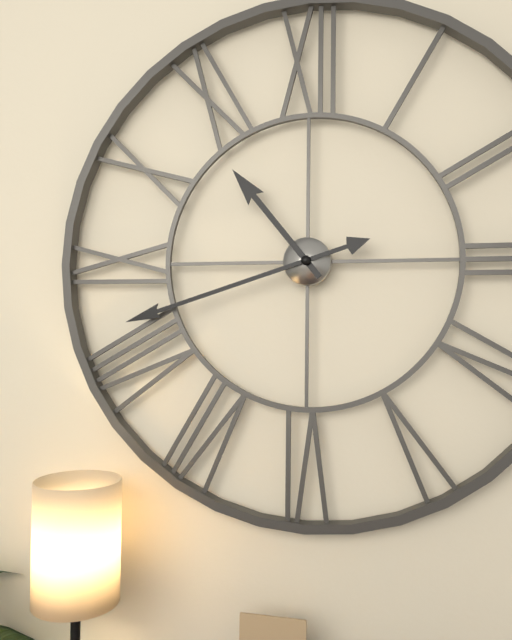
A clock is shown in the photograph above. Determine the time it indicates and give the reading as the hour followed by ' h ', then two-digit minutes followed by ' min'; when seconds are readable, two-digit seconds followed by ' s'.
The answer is 10 h 42 min
